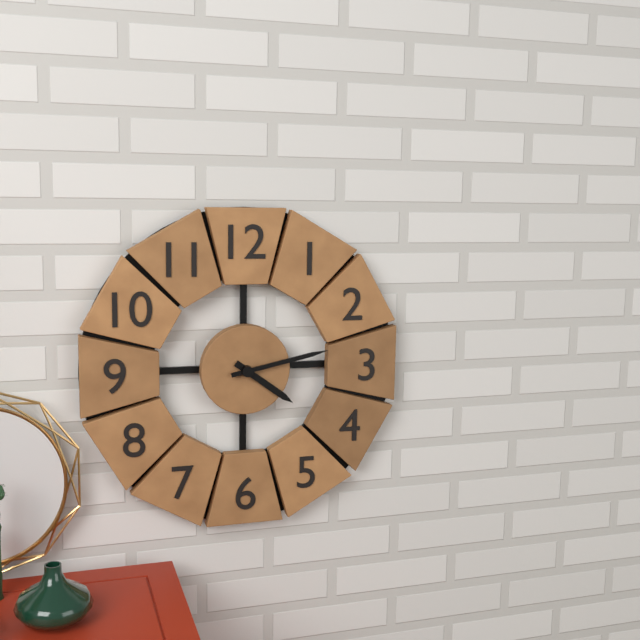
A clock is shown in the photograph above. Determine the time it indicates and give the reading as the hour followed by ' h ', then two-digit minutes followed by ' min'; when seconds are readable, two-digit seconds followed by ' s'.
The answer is 4 h 13 min
